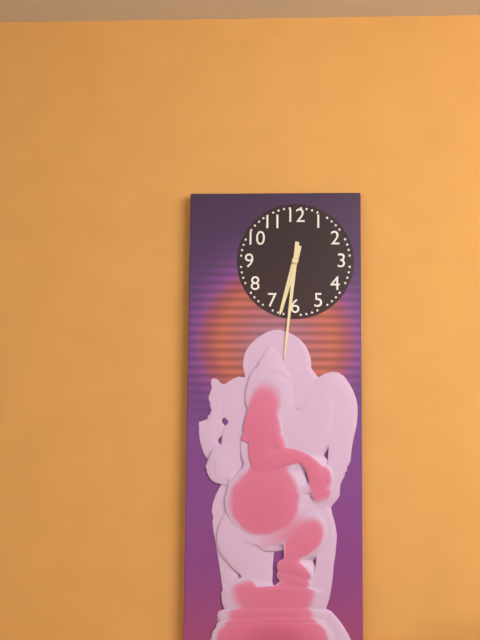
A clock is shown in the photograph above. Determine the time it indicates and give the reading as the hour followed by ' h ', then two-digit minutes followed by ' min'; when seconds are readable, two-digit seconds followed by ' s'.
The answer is 6 h 31 min
